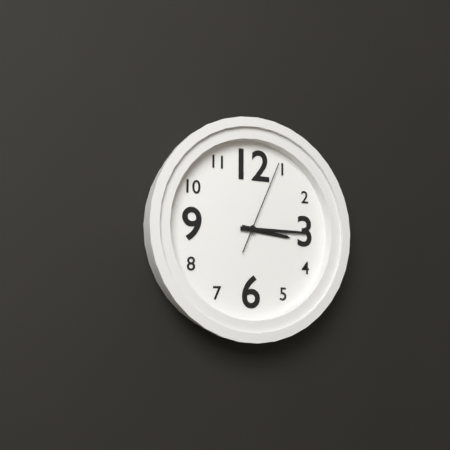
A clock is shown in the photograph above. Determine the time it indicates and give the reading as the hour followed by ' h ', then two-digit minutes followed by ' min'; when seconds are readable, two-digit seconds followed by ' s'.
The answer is 3 h 15 min 04 s
